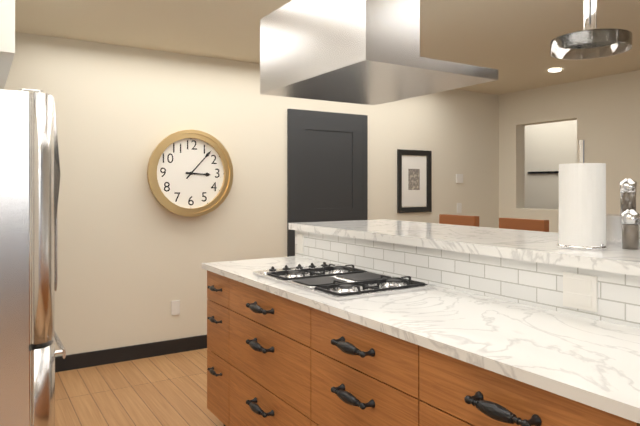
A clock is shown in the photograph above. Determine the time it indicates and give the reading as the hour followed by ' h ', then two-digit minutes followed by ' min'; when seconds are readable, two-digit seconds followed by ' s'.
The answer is 3 h 07 min
